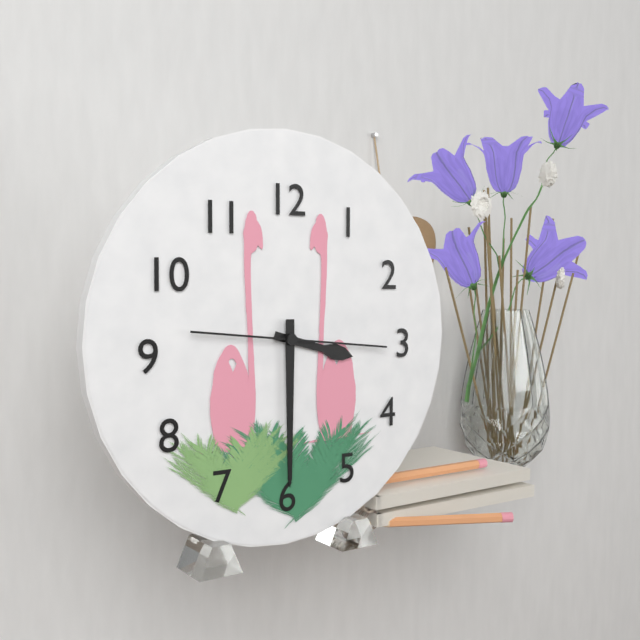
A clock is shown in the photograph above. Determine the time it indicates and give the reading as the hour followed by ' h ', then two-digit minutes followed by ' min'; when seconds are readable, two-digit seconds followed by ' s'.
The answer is 3 h 30 min 16 s
